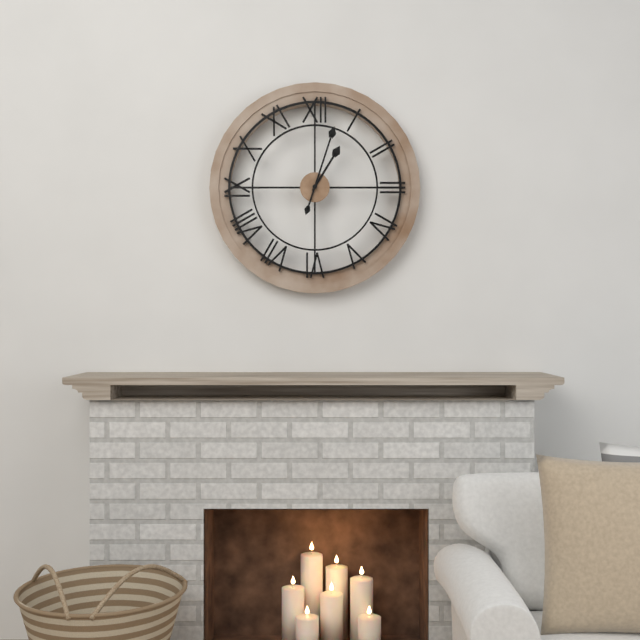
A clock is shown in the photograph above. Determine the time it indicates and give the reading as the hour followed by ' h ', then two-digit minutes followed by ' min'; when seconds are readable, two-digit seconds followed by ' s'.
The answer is 1 h 03 min
